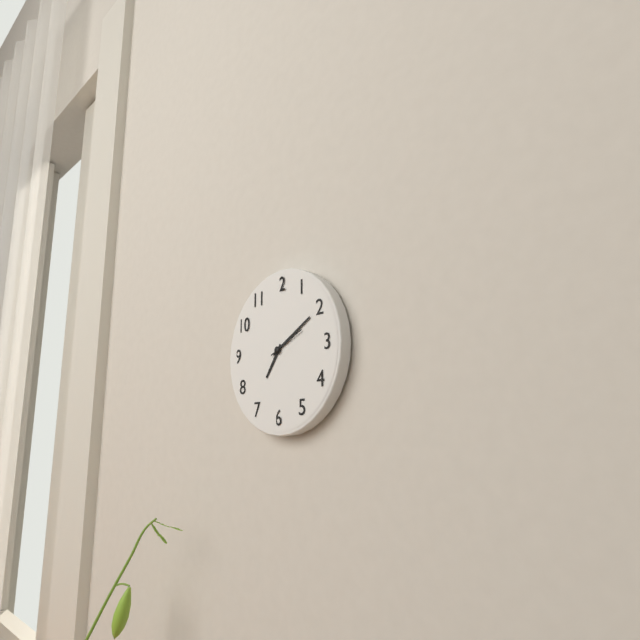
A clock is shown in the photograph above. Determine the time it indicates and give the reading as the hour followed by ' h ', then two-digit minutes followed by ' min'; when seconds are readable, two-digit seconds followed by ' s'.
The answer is 7 h 10 min
